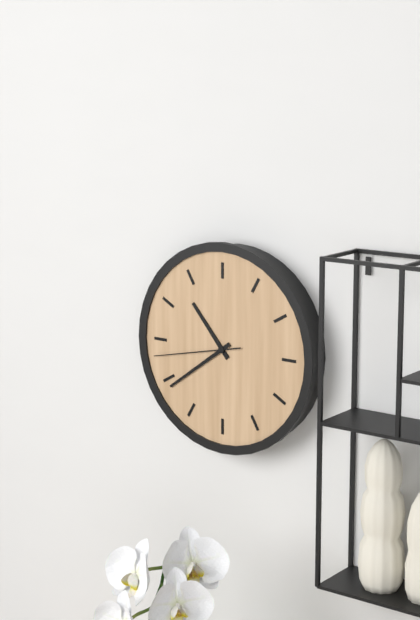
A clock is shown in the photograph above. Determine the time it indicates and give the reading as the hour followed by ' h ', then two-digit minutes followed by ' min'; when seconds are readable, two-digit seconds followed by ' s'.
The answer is 10 h 39 min 43 s
